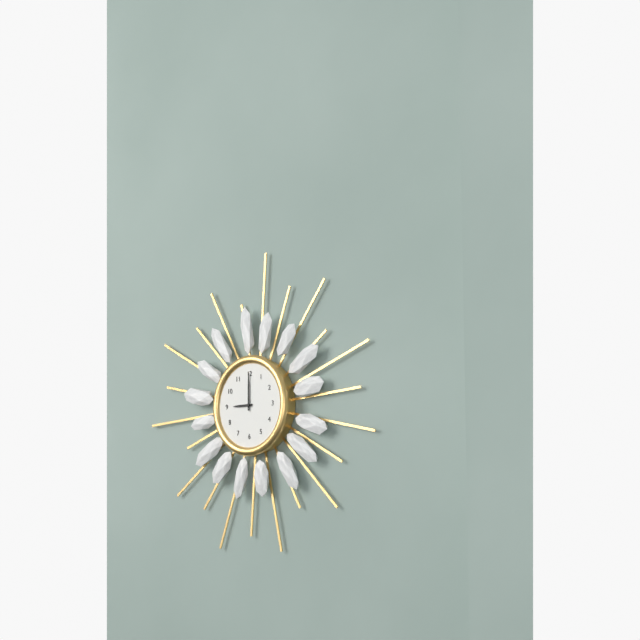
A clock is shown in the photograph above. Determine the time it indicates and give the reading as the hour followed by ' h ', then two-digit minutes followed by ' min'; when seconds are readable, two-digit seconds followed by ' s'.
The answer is 9 h 00 min
